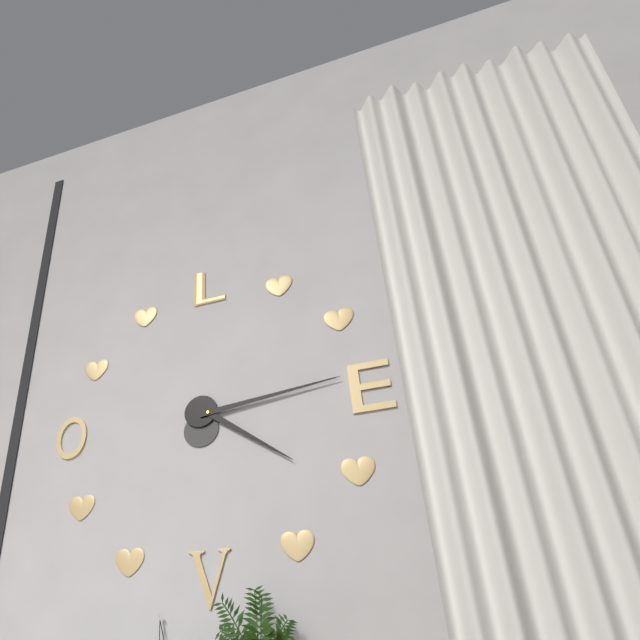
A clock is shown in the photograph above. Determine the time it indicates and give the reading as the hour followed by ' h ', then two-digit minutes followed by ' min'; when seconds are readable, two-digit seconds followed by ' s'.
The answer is 4 h 14 min
